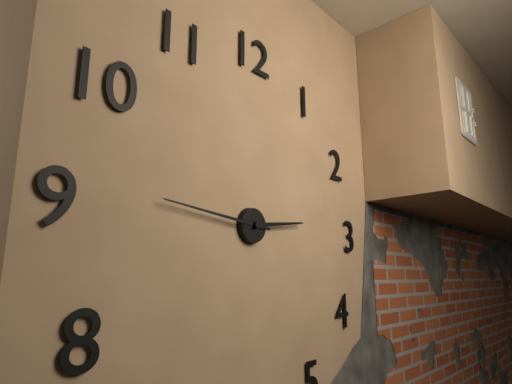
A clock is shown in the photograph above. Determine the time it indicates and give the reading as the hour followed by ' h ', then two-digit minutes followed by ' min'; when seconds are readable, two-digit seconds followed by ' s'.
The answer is 2 h 46 min
